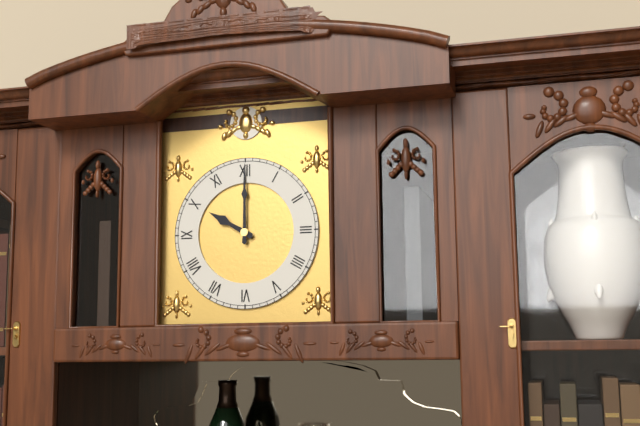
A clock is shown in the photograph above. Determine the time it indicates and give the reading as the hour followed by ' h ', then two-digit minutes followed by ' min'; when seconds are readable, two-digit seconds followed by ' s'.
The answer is 10 h 00 min
